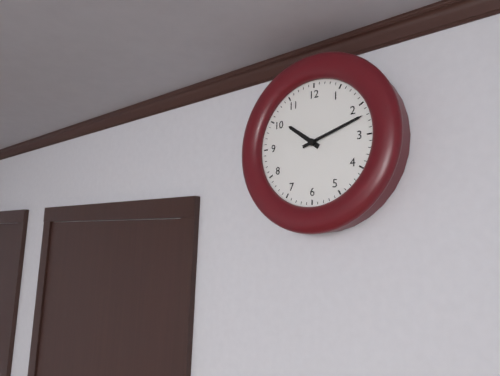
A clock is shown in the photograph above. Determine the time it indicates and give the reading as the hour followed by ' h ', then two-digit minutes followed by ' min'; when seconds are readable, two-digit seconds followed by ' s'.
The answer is 10 h 12 min
